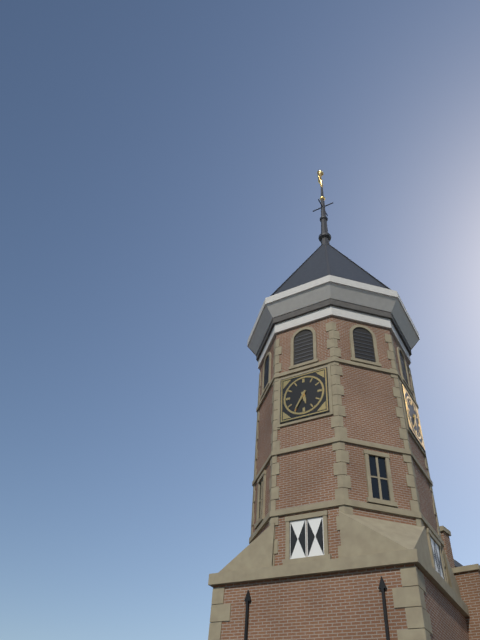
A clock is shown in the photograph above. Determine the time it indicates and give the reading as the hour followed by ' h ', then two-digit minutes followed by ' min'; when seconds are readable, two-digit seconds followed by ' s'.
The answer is 5 h 35 min
